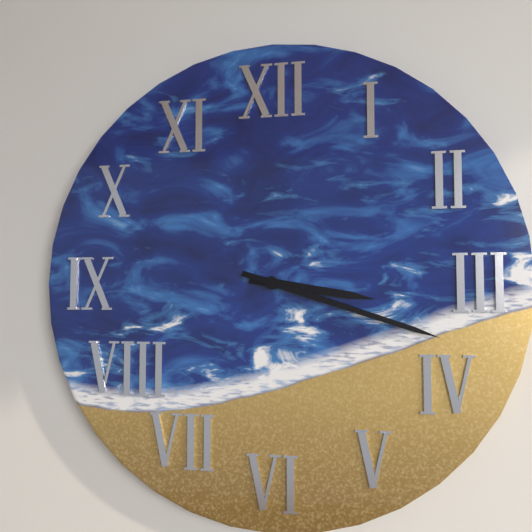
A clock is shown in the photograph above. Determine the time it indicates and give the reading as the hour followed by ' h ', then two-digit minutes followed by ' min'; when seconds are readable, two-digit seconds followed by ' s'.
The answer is 3 h 18 min
